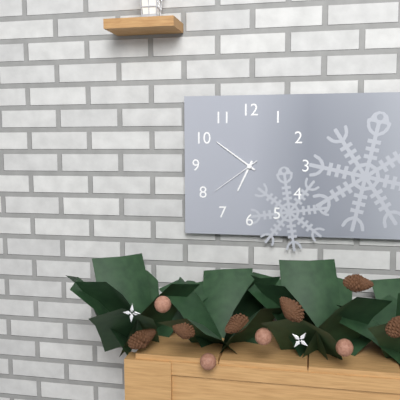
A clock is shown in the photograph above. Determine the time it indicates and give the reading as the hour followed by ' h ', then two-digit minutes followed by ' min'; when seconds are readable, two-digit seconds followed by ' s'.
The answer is 6 h 51 min 39 s
